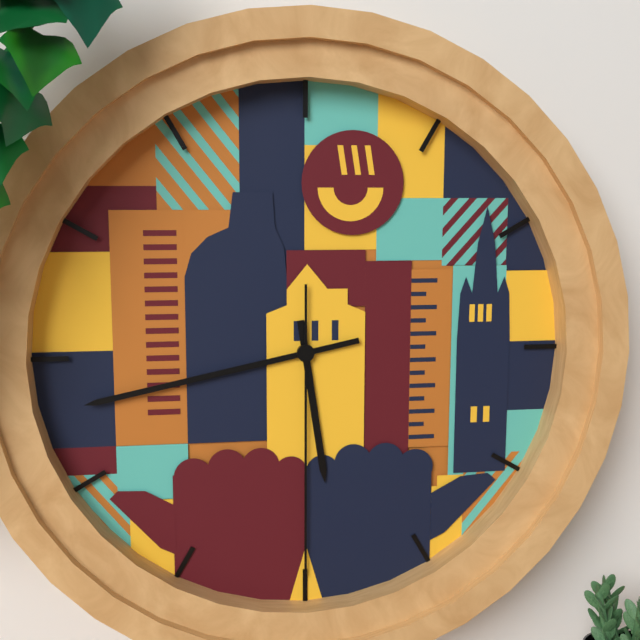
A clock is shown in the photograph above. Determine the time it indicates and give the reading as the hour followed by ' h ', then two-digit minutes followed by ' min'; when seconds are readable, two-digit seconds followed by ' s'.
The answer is 5 h 43 min 30 s
